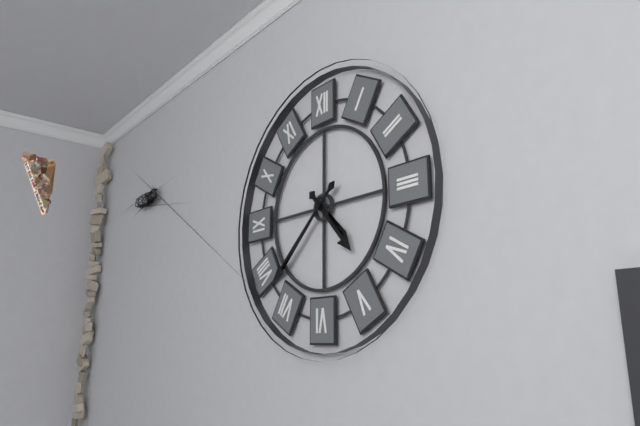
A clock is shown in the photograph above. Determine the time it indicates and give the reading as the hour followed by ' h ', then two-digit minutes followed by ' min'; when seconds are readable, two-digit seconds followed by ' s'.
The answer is 4 h 38 min
